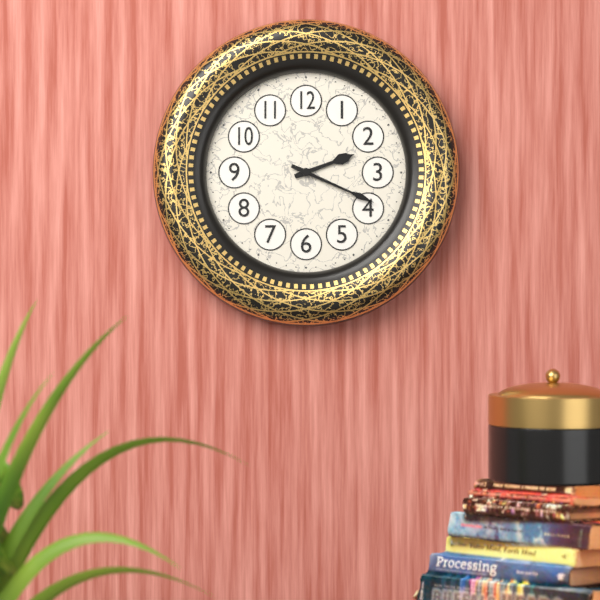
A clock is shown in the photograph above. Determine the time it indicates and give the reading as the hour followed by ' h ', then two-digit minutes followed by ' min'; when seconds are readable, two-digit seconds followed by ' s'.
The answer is 2 h 19 min
